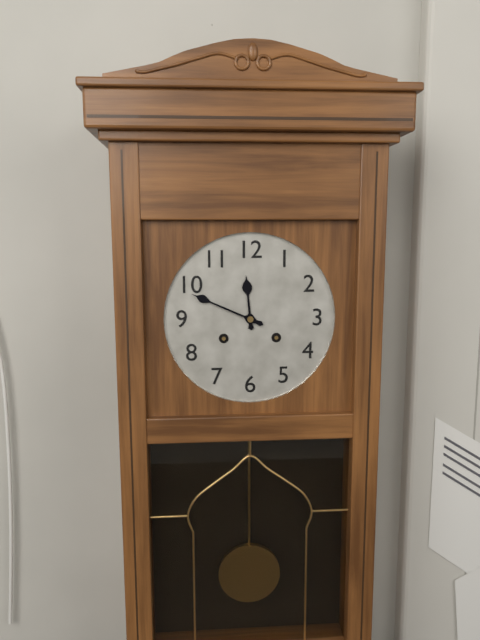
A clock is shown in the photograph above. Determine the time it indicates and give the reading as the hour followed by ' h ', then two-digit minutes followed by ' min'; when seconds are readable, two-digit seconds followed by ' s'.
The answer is 11 h 49 min
